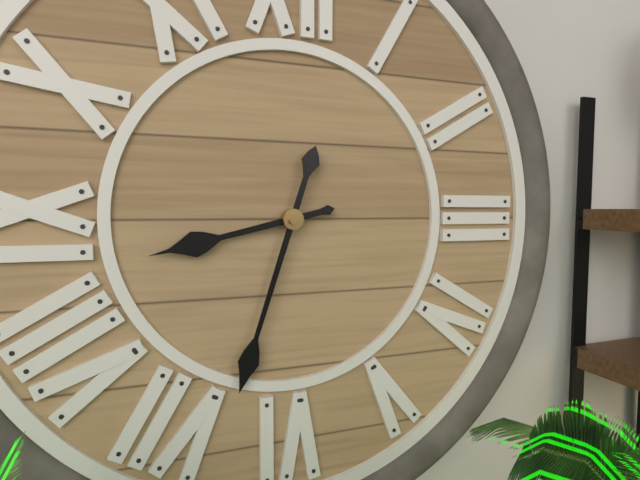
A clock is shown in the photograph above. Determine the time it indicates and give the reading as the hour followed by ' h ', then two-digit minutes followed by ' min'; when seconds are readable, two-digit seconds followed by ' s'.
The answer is 8 h 33 min
